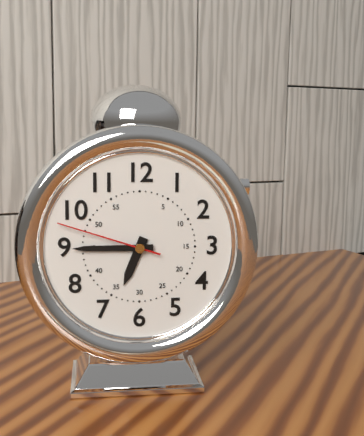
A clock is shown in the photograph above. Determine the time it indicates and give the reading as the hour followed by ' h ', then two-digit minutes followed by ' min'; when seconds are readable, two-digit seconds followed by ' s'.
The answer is 6 h 45 min 48 s
